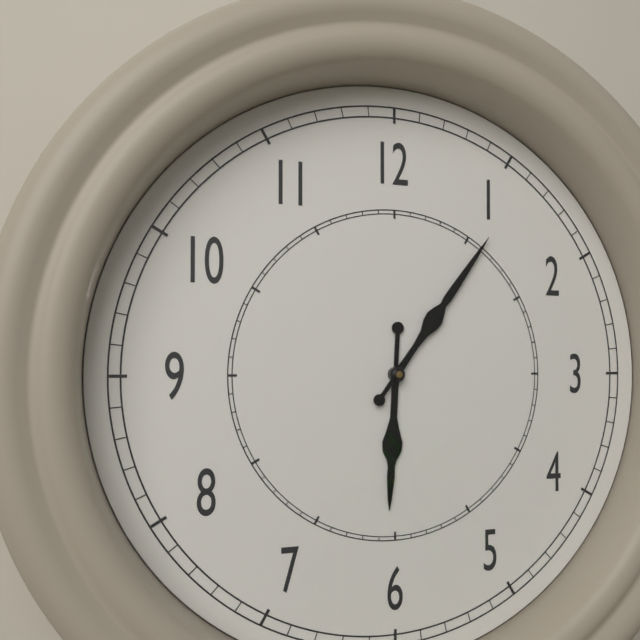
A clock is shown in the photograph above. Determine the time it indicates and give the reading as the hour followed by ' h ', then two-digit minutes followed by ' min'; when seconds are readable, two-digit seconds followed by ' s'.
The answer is 6 h 06 min
